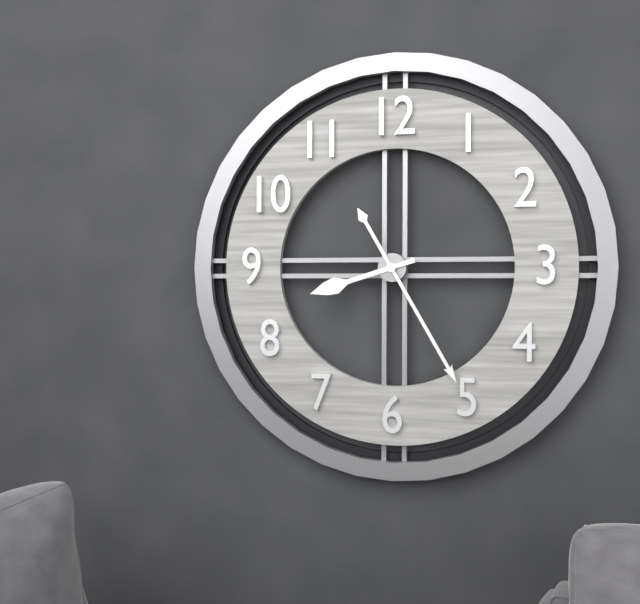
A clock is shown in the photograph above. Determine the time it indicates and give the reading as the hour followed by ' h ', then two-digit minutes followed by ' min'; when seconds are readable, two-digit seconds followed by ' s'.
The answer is 8 h 25 min
